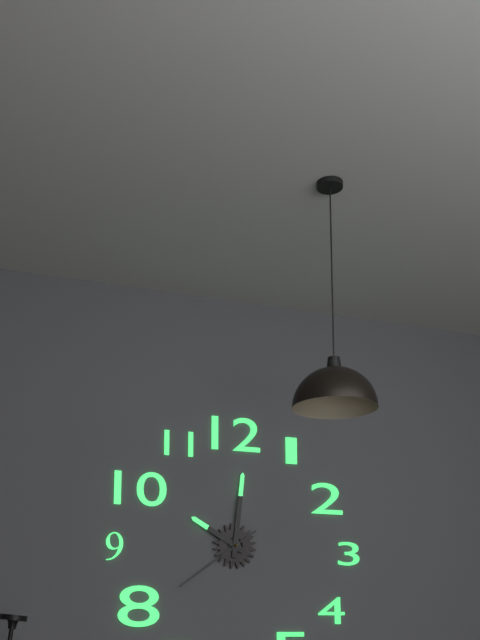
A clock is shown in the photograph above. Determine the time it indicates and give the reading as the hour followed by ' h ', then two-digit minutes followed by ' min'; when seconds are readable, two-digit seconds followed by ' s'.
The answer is 10 h 01 min 39 s
